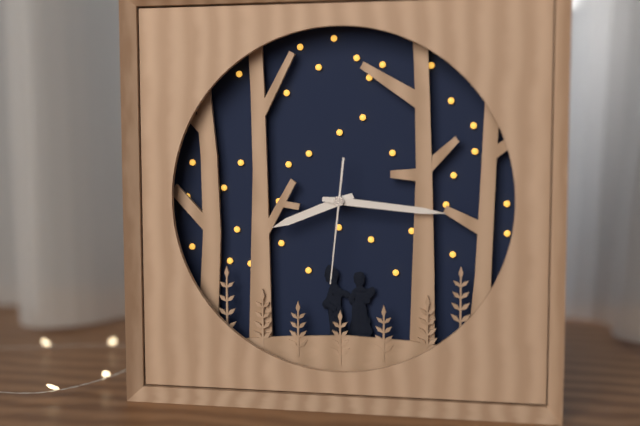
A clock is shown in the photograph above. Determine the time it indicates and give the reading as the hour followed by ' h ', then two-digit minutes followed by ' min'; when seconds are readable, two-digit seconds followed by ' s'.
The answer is 8 h 16 min 31 s
